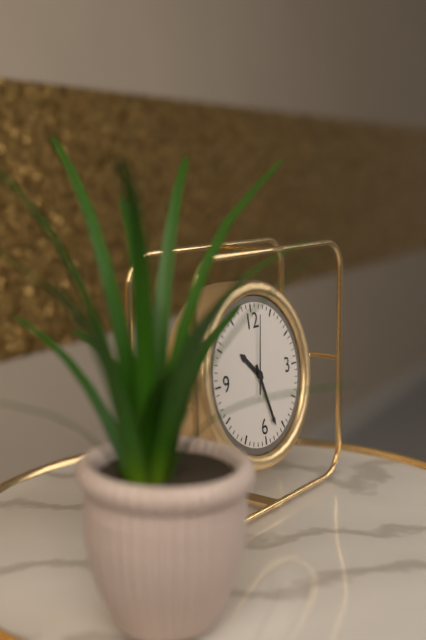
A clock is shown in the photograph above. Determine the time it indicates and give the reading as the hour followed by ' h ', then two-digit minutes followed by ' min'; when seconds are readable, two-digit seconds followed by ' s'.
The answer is 10 h 27 min 02 s
